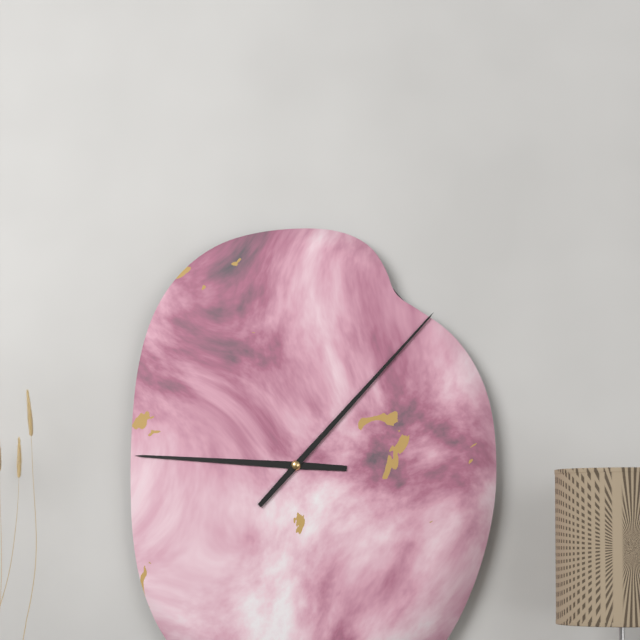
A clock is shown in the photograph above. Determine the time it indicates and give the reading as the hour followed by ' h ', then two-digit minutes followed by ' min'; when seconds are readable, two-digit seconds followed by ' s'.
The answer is 9 h 07 min
